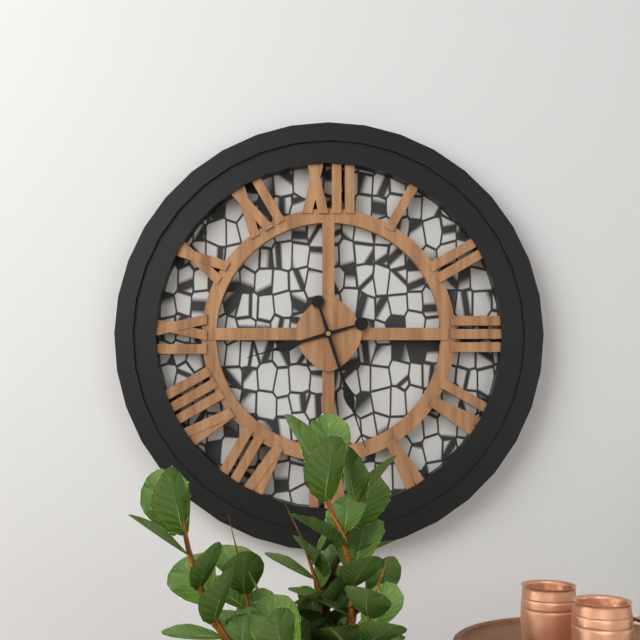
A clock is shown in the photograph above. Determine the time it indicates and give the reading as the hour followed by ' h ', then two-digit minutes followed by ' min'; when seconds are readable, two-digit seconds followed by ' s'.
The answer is 8 h 27 min
